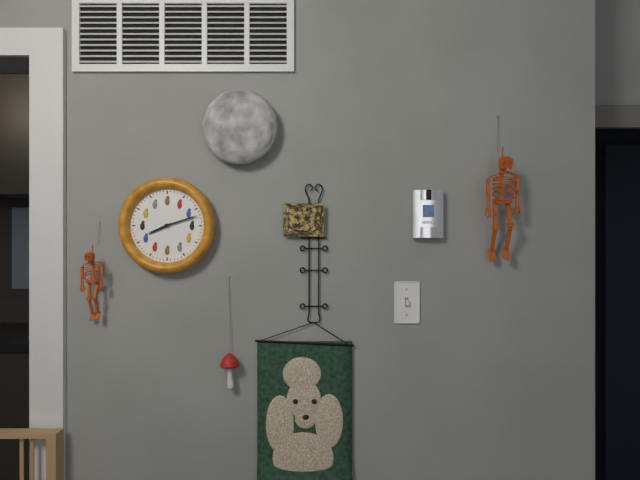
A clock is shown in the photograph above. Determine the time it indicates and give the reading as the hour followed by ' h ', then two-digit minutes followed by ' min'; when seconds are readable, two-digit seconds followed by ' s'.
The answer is 8 h 12 min
